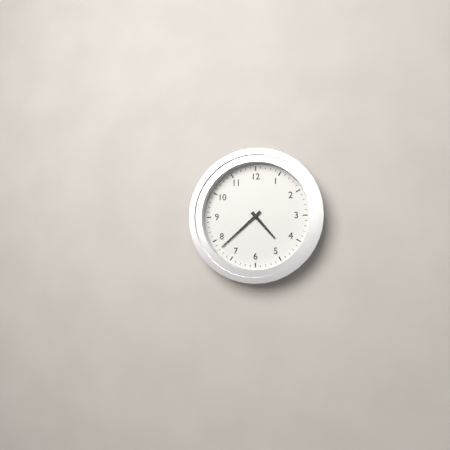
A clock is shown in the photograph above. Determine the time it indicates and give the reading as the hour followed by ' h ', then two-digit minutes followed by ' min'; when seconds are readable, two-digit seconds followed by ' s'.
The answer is 4 h 38 min
